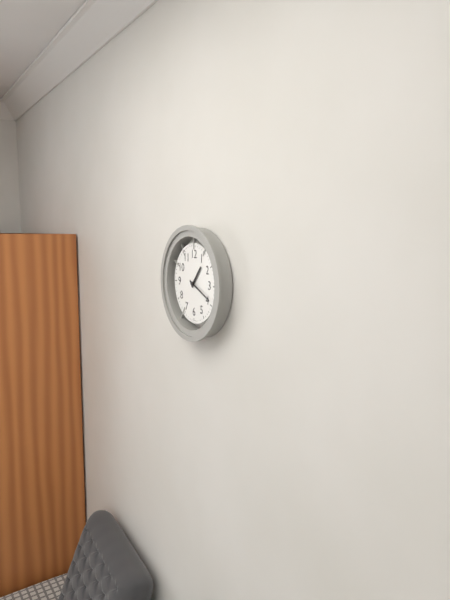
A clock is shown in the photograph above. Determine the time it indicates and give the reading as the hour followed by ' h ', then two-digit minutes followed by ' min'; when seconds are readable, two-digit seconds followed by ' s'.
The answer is 1 h 19 min
